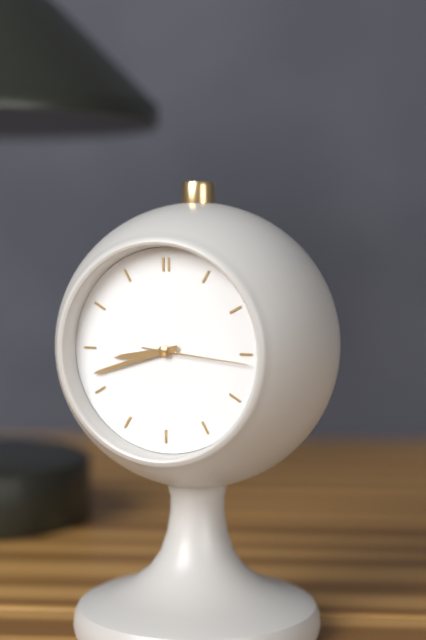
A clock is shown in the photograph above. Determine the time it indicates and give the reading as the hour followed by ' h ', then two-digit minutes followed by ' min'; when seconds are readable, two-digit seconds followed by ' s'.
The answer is 8 h 42 min 16 s
